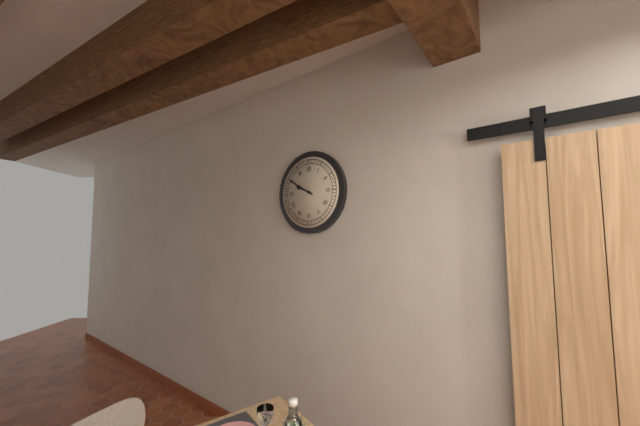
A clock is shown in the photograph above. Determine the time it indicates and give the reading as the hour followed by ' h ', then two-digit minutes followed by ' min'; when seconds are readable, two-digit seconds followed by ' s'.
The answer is 9 h 50 min
